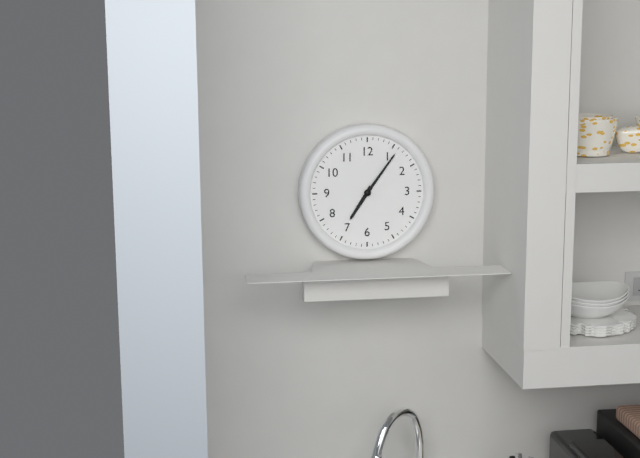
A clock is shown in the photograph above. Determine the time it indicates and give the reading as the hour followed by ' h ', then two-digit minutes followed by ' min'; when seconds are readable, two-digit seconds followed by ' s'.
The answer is 7 h 06 min
